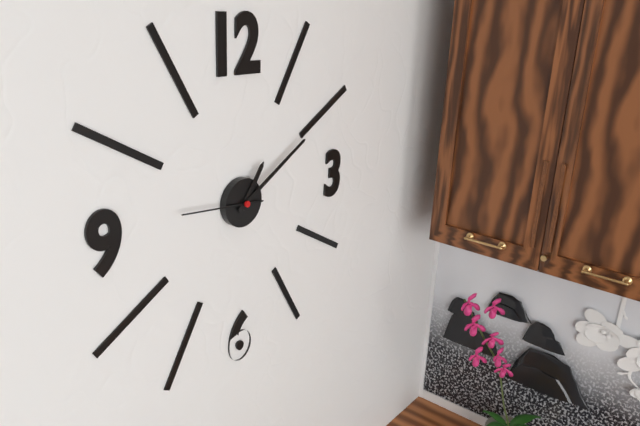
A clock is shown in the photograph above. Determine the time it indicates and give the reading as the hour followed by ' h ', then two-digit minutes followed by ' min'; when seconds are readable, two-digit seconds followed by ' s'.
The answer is 1 h 10 min 46 s
